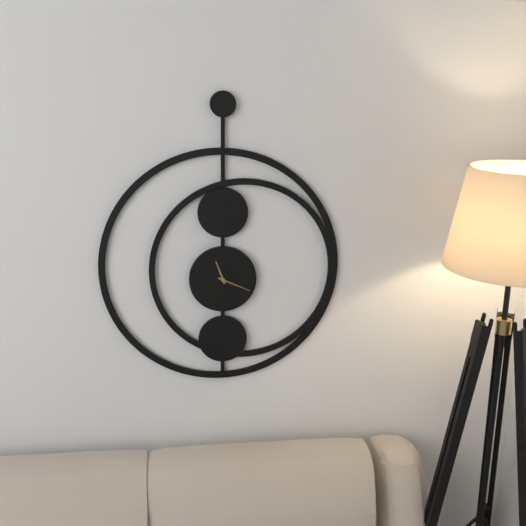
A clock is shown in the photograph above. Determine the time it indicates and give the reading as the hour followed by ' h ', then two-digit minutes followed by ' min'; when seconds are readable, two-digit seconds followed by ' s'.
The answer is 11 h 19 min
